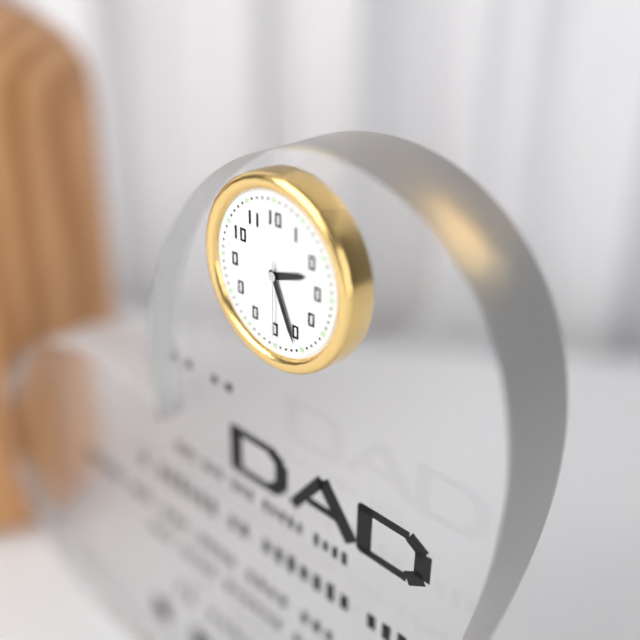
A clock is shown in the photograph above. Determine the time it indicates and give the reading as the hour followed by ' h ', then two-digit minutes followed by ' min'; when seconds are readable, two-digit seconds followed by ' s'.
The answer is 2 h 26 min 30 s
